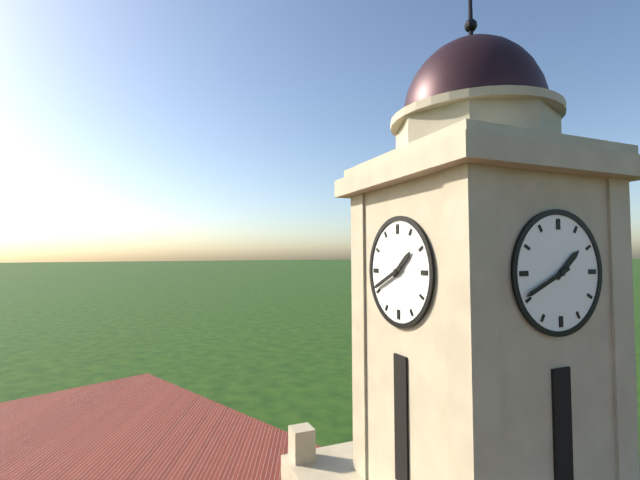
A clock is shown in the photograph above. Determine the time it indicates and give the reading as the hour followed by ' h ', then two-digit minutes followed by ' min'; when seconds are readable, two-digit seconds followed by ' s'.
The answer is 1 h 41 min
